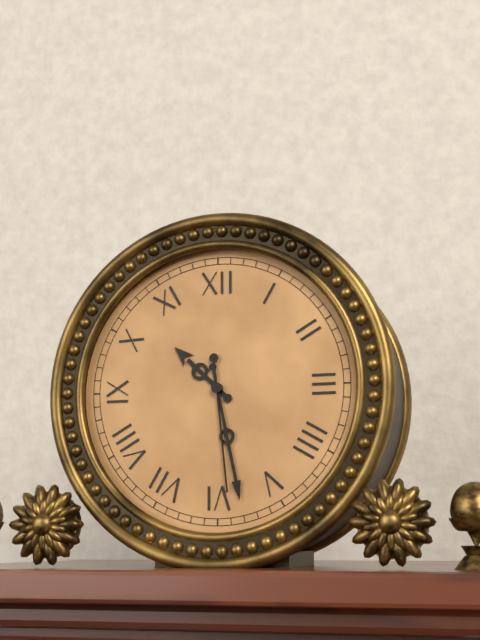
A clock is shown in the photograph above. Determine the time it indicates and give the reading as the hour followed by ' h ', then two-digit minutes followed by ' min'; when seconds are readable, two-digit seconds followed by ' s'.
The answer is 10 h 28 min 29 s
